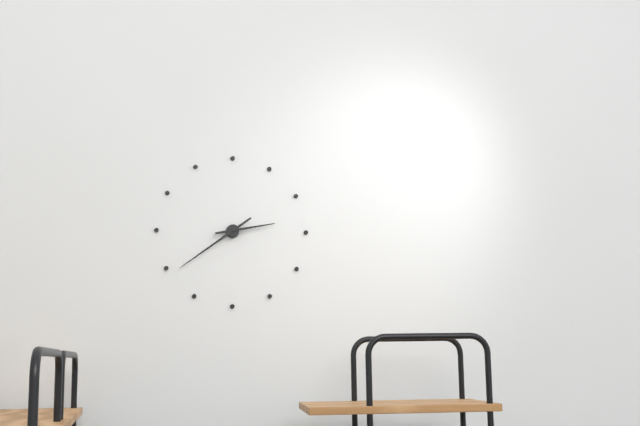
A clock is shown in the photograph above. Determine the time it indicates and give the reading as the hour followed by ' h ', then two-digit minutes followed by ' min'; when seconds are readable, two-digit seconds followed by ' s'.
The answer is 2 h 39 min
